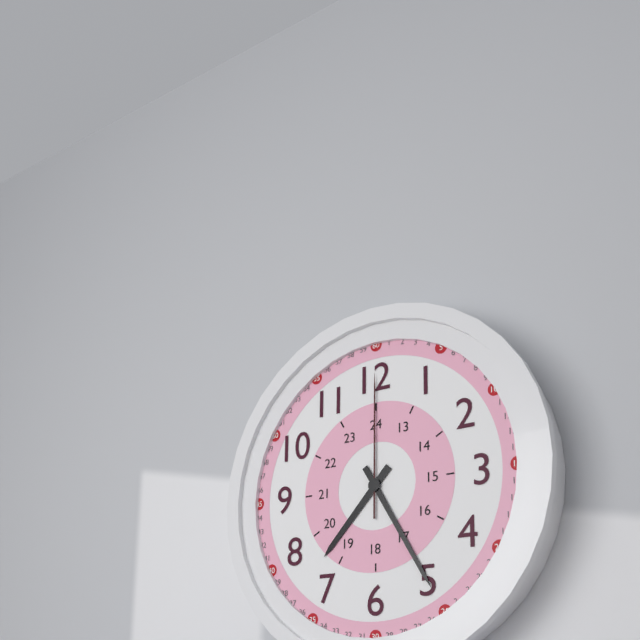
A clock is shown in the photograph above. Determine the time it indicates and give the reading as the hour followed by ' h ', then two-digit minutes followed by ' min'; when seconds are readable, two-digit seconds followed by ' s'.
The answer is 7 h 25 min 00 s
